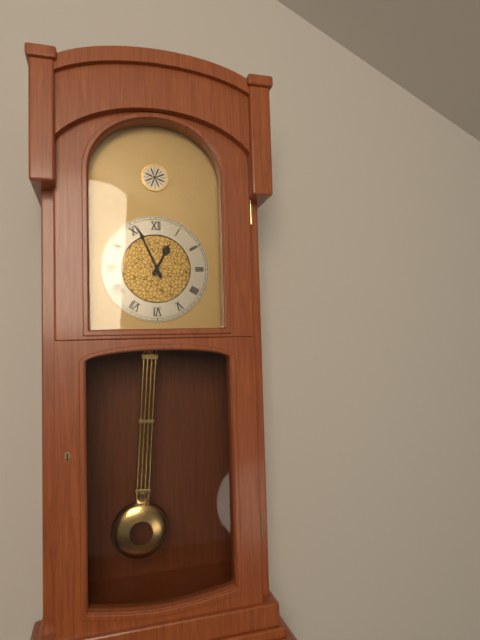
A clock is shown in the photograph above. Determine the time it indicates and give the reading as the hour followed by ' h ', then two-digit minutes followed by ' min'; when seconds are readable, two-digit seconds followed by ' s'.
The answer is 12 h 56 min
